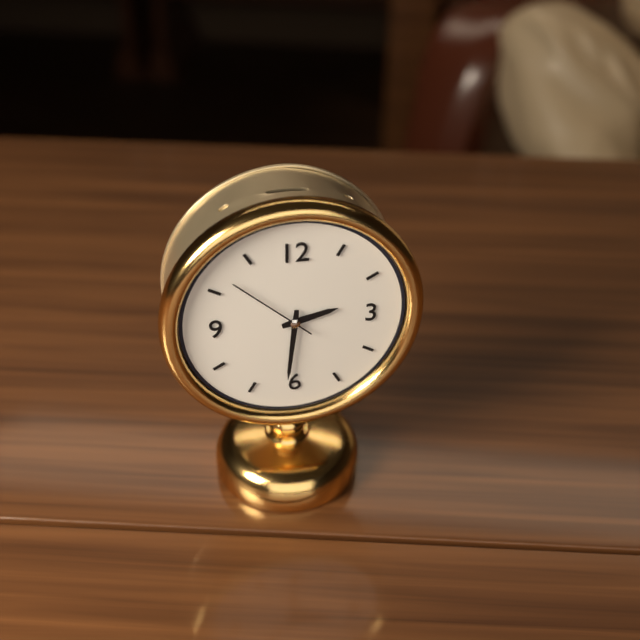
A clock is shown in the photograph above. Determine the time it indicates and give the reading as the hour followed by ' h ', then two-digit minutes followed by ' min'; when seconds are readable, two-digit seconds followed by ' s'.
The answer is 2 h 31 min 52 s
